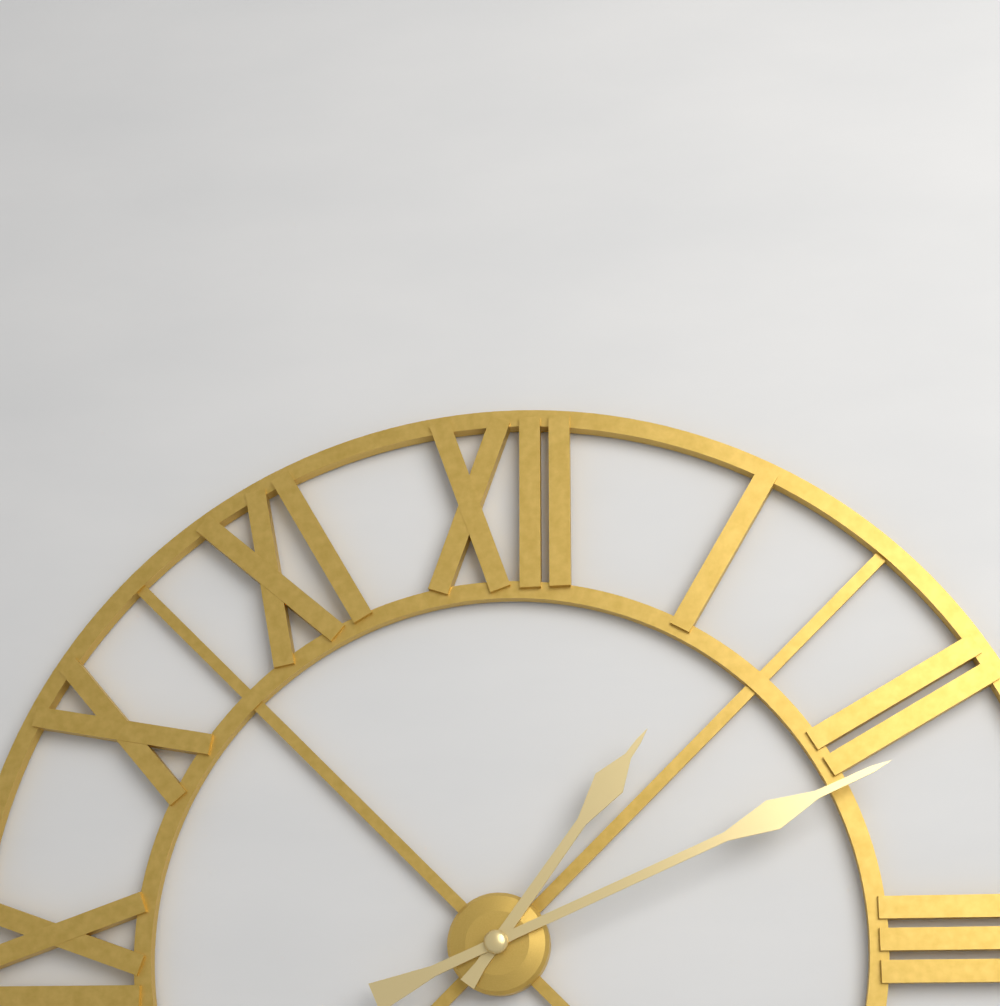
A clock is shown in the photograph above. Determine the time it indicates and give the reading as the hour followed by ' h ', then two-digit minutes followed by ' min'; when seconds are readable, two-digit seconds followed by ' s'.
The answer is 1 h 11 min
